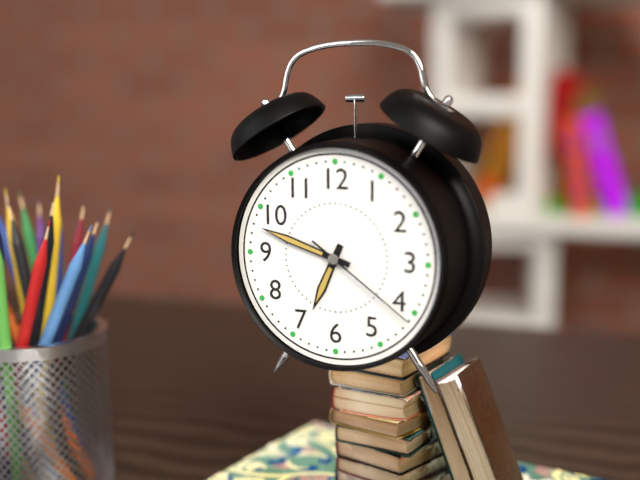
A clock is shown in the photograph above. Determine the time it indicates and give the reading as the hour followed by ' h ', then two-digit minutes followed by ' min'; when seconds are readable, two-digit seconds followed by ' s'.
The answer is 6 h 48 min 21 s
